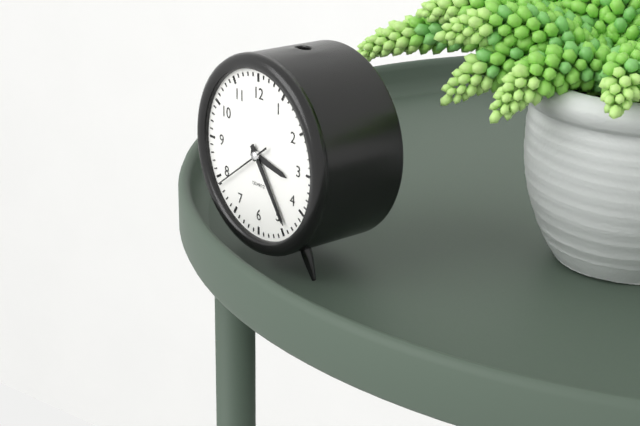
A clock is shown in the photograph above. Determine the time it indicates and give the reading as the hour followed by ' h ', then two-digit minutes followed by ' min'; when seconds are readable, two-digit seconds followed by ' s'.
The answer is 3 h 24 min 39 s
